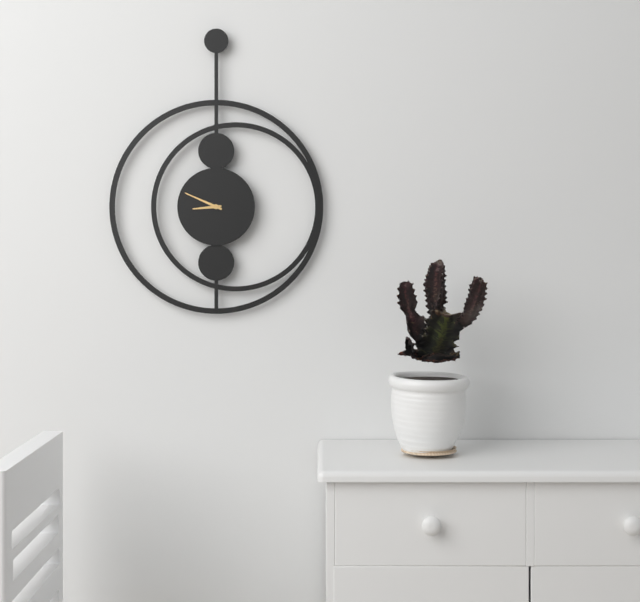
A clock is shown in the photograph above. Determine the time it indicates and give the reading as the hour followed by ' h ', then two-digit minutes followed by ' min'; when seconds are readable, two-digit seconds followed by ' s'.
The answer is 8 h 49 min
